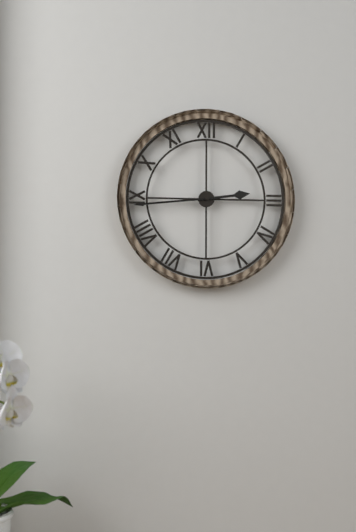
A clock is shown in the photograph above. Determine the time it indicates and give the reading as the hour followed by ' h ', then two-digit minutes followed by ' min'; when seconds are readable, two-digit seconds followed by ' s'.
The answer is 2 h 44 min
